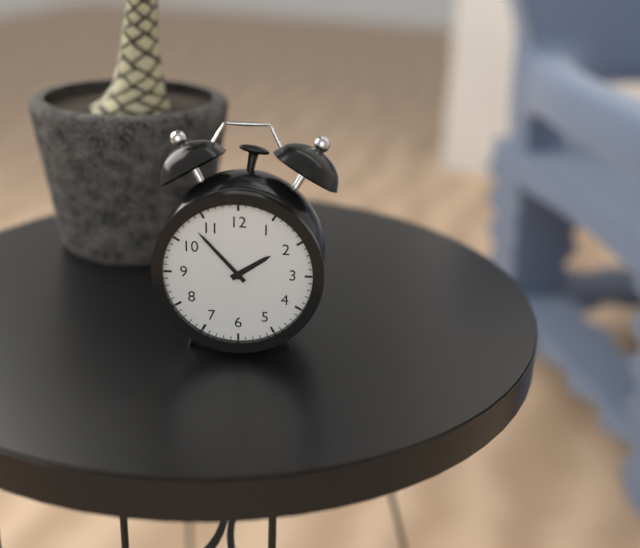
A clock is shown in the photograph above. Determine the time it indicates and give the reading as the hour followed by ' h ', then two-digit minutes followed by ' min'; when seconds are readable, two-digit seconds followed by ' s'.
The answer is 1 h 53 min
